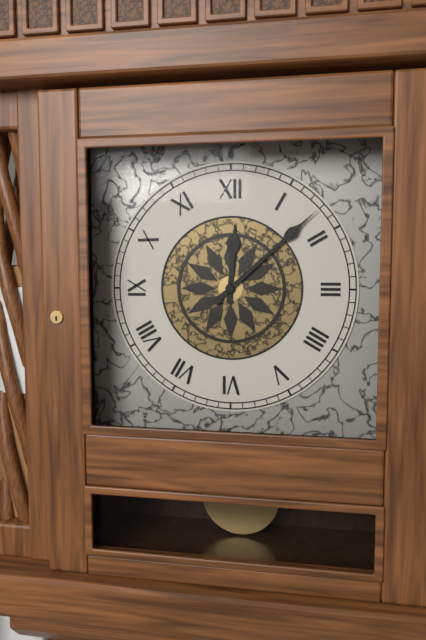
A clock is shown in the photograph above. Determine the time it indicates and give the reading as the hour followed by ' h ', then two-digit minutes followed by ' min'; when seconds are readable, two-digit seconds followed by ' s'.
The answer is 12 h 08 min
